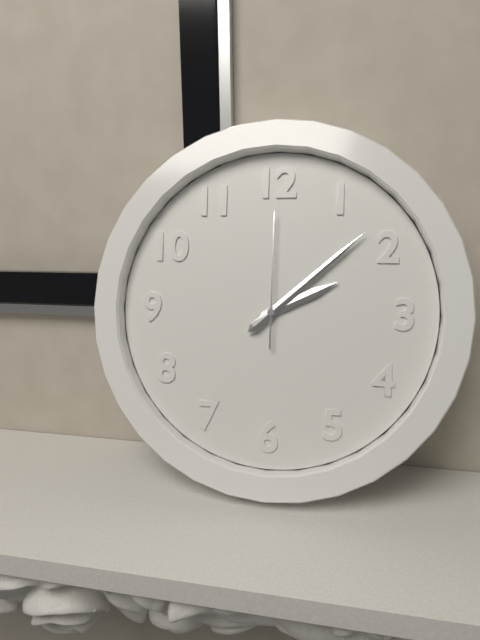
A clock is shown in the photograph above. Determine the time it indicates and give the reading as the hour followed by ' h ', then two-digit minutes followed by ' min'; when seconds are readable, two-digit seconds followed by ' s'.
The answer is 2 h 08 min 00 s
